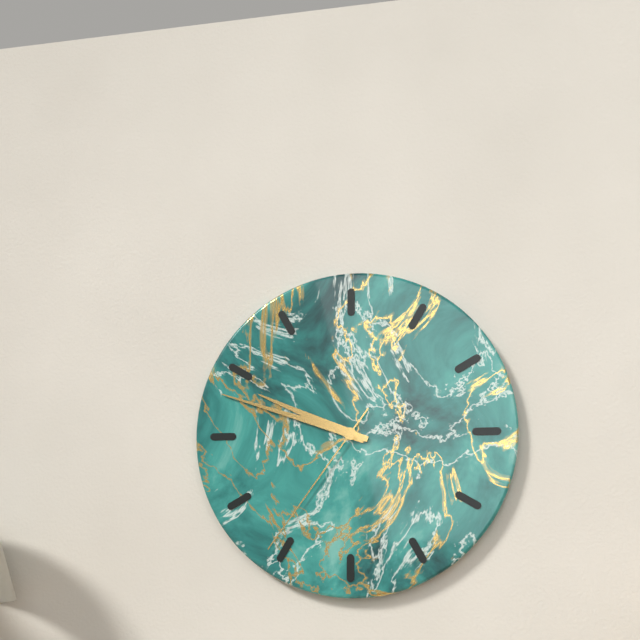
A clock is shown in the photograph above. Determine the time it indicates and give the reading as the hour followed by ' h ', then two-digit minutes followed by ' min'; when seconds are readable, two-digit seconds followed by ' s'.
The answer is 9 h 48 min 36 s
